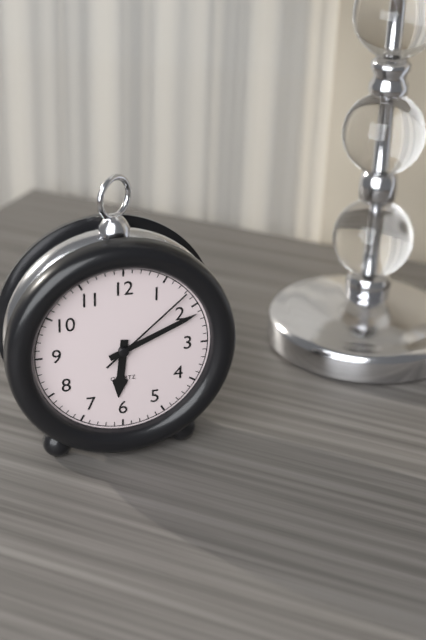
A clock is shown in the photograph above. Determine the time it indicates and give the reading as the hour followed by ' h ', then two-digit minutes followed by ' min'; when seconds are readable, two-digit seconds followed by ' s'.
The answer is 6 h 11 min 08 s
